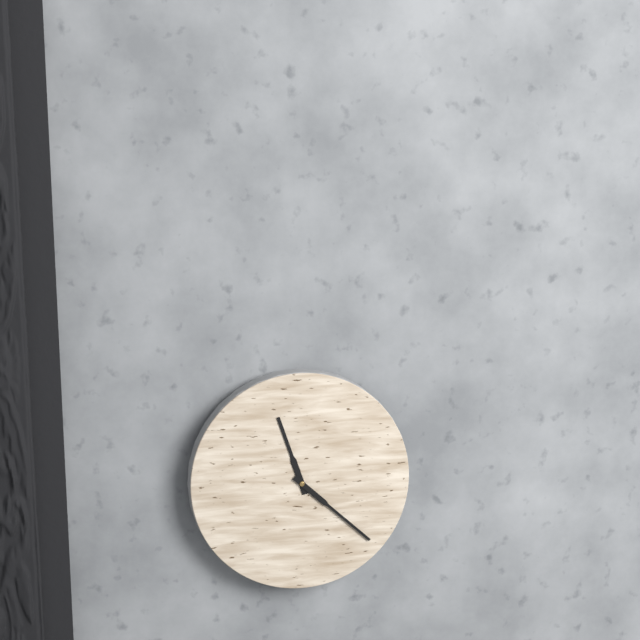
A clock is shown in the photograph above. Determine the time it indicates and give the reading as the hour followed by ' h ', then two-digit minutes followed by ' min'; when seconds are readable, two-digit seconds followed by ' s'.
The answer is 11 h 22 min
